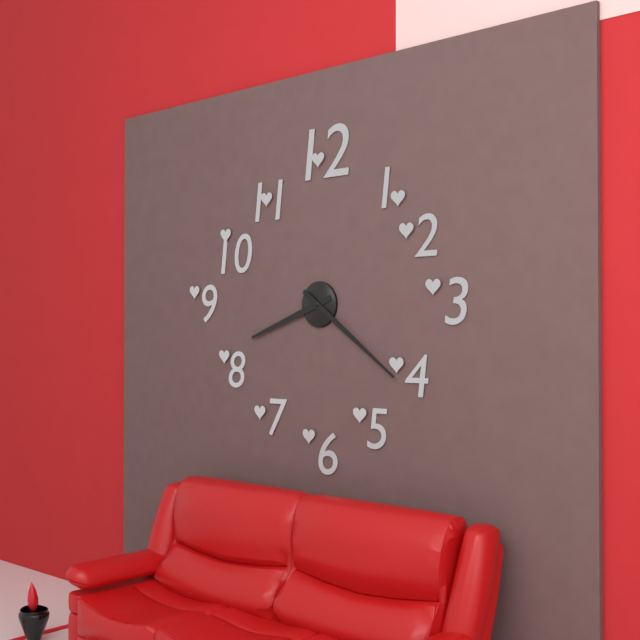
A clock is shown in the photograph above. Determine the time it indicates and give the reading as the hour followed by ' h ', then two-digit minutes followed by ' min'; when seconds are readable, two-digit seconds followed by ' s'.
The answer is 8 h 21 min
